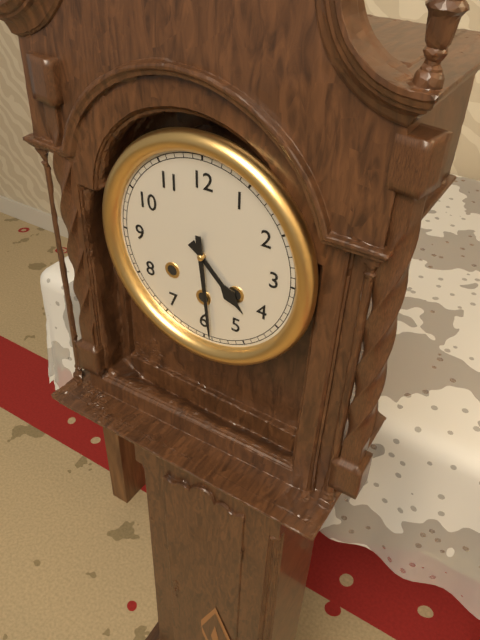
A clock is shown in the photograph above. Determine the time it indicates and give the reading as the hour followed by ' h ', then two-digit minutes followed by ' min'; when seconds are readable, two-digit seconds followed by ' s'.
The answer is 4 h 29 min
